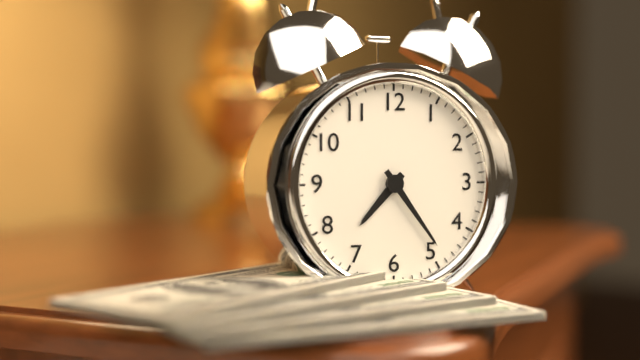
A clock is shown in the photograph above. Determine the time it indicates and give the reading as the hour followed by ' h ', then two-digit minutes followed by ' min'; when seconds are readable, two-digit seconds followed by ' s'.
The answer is 7 h 24 min
